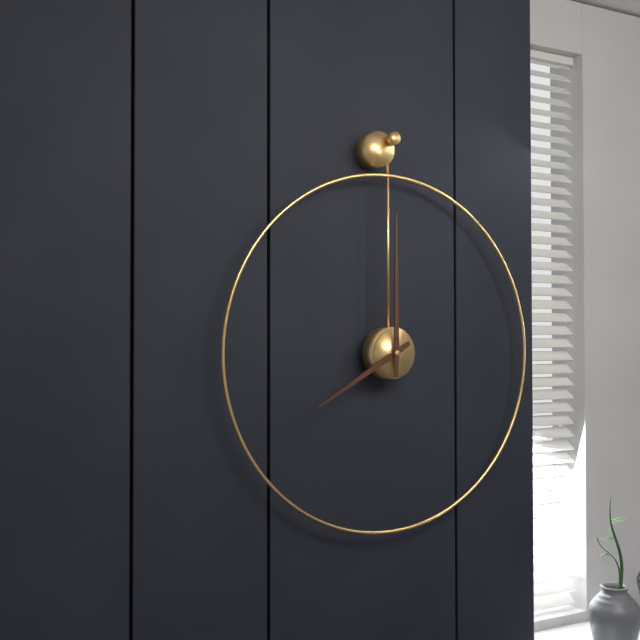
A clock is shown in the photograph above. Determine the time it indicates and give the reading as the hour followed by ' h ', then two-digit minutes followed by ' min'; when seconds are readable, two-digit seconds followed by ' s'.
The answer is 8 h 00 min
